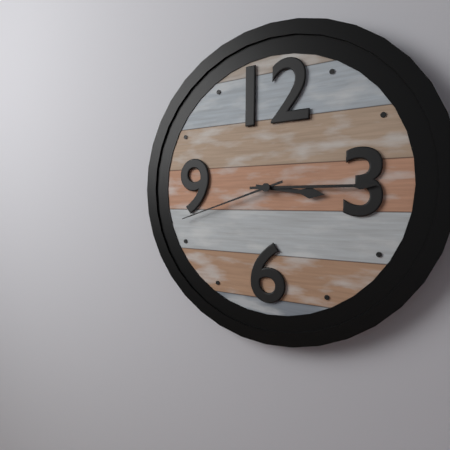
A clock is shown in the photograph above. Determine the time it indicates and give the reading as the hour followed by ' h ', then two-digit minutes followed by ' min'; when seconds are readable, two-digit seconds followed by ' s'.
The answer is 3 h 15 min 42 s
